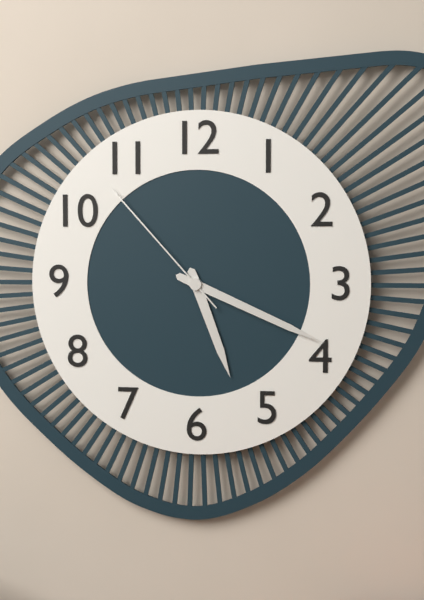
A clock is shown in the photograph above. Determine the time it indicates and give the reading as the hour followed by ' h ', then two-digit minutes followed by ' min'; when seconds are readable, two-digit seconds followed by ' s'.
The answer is 5 h 19 min 53 s
